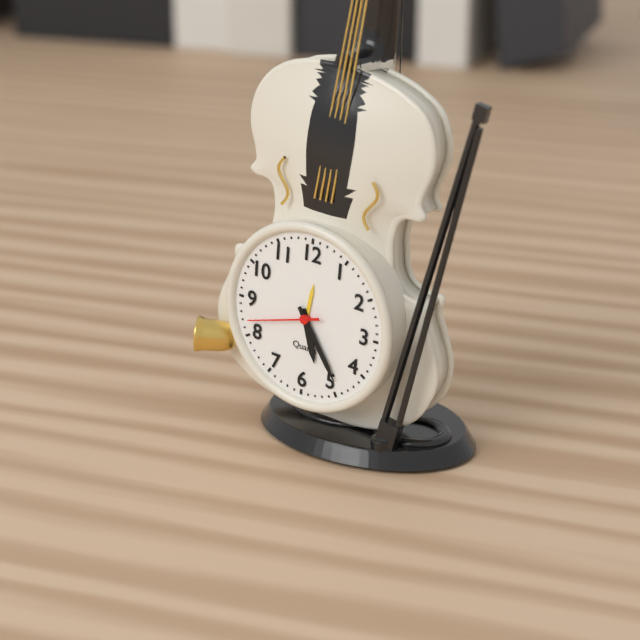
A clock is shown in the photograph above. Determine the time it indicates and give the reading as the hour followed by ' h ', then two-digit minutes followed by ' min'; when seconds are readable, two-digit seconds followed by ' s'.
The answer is 5 h 24 min 42 s
